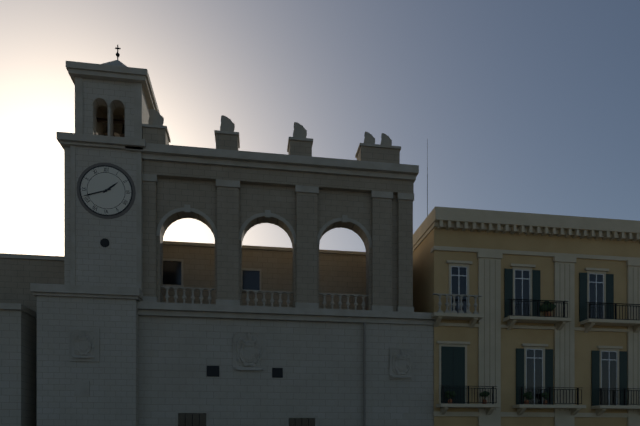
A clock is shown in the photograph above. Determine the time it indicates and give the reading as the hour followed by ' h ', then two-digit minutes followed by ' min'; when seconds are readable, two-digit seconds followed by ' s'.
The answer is 1 h 42 min
